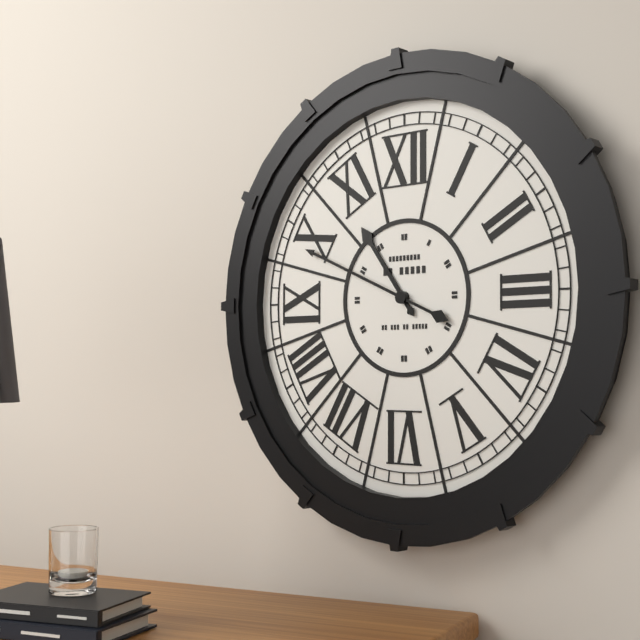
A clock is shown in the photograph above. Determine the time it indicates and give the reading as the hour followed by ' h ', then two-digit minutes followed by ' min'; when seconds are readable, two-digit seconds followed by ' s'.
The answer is 10 h 49 min
